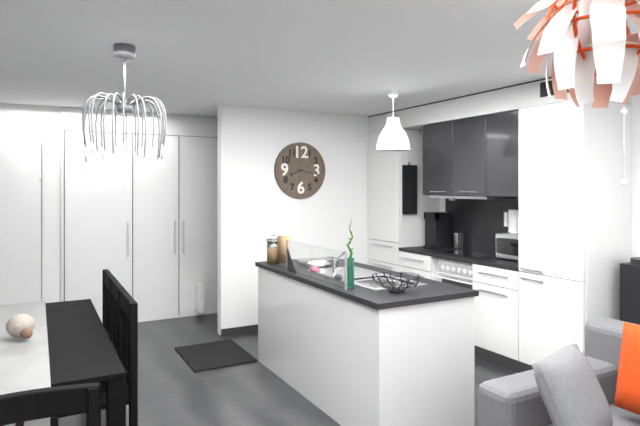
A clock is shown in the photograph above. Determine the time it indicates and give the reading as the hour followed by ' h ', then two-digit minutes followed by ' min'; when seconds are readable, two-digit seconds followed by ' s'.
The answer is 8 h 17 min
